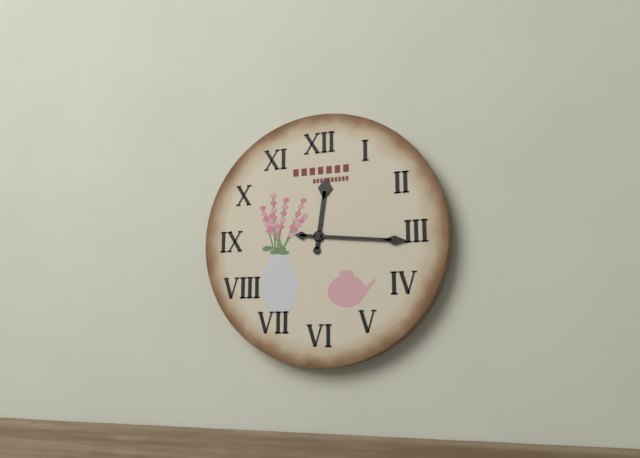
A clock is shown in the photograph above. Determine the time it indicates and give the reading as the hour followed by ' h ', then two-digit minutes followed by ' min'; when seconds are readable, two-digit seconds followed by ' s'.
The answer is 12 h 16 min
